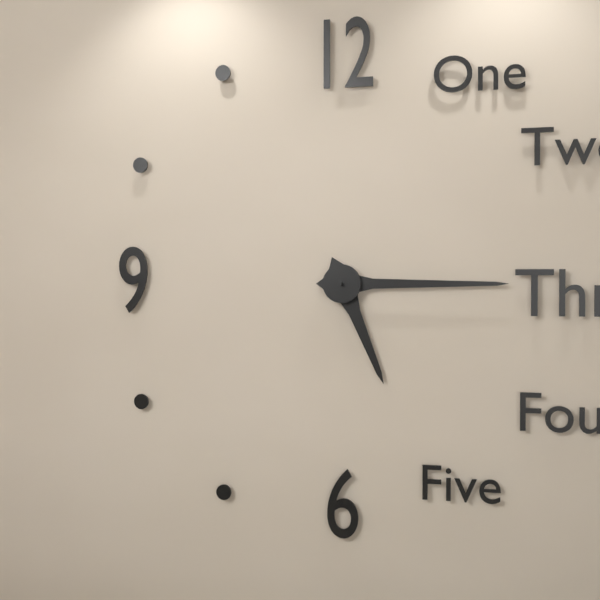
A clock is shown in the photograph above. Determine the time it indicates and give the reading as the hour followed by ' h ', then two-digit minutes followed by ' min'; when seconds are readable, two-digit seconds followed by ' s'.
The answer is 5 h 15 min
